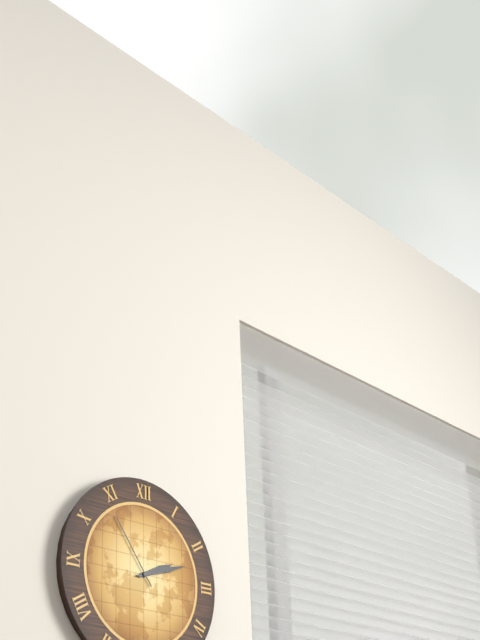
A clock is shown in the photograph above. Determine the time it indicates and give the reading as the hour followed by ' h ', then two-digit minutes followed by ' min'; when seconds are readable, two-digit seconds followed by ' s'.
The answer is 2 h 12 min 54 s
